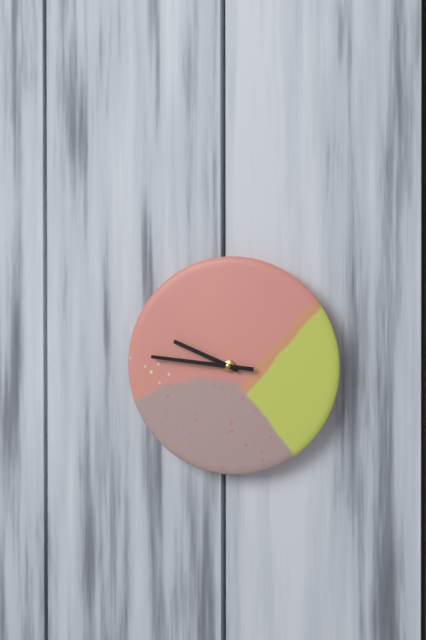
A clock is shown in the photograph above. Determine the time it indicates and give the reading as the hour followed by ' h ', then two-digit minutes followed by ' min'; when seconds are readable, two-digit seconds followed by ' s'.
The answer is 9 h 46 min
